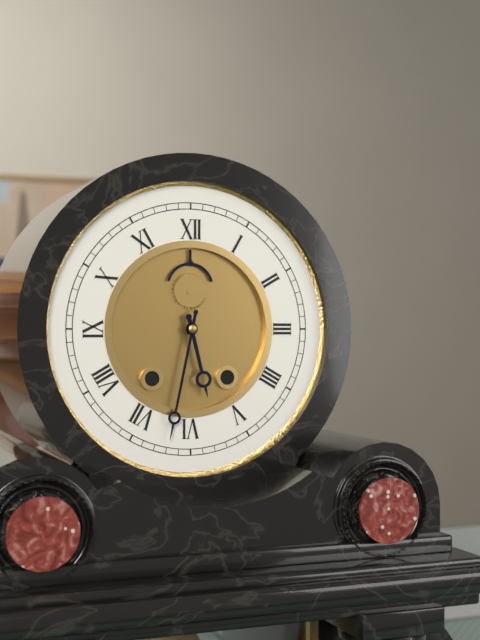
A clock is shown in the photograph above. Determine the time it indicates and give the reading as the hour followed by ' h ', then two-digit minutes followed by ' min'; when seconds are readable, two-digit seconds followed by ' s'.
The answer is 5 h 32 min
